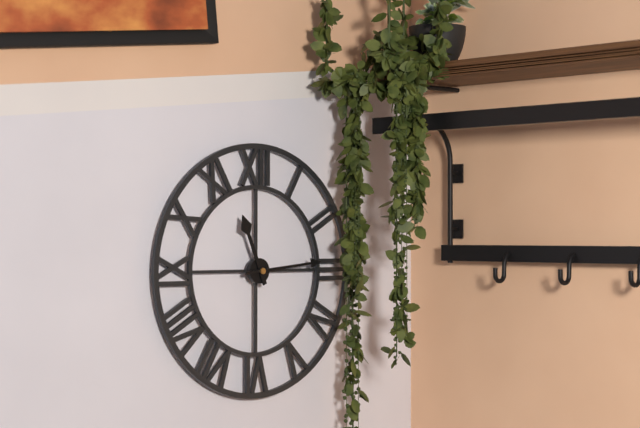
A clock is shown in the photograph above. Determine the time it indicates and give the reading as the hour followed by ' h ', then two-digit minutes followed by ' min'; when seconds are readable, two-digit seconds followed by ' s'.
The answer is 11 h 14 min
